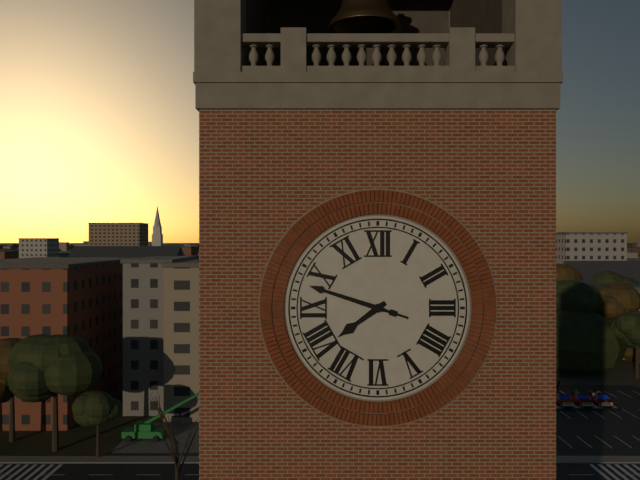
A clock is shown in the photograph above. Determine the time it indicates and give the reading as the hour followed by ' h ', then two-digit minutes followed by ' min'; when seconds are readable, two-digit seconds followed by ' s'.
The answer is 7 h 48 min
